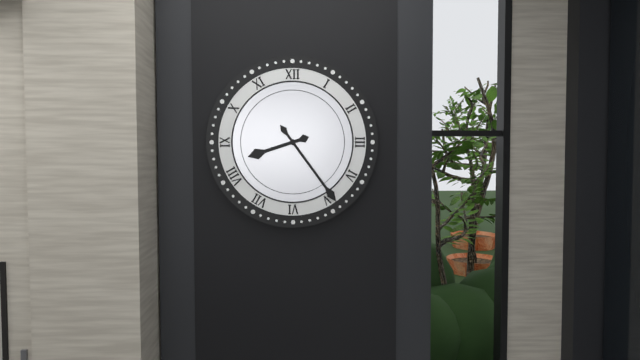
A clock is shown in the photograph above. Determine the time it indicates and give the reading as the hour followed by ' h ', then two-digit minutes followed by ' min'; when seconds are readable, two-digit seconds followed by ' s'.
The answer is 8 h 24 min
